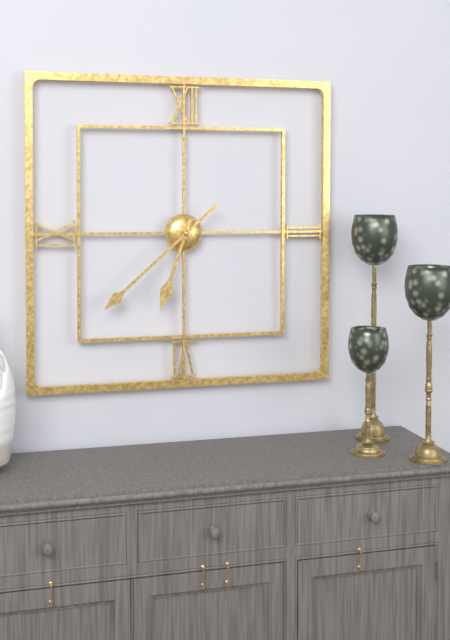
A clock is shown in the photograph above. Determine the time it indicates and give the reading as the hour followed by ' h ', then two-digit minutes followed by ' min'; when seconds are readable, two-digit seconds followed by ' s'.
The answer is 6 h 38 min
